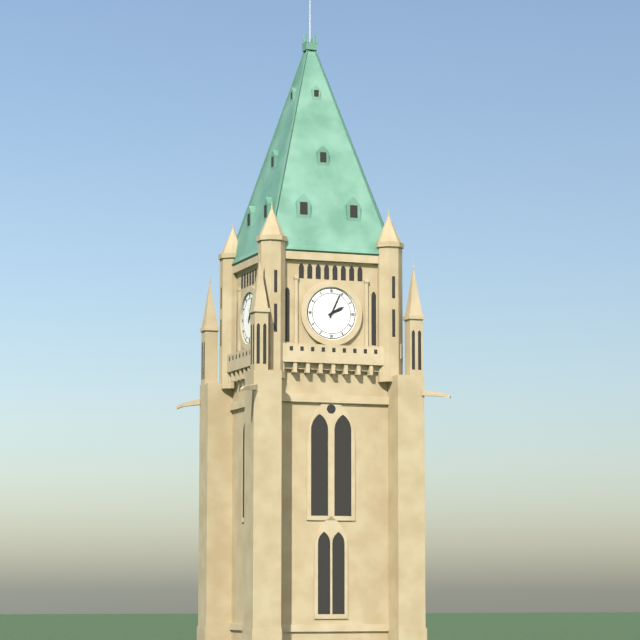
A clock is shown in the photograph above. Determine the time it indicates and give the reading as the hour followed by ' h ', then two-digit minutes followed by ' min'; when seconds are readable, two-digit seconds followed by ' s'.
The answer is 2 h 04 min
